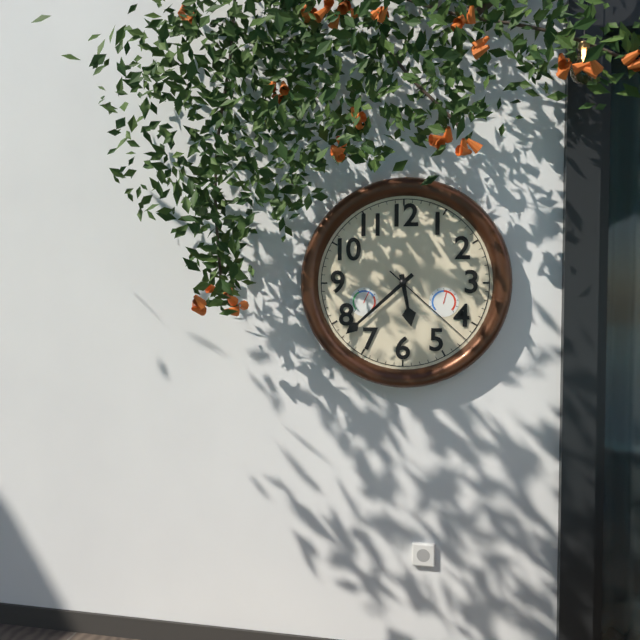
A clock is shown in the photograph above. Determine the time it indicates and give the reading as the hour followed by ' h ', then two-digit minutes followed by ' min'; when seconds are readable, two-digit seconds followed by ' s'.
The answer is 5 h 38 min 22 s
